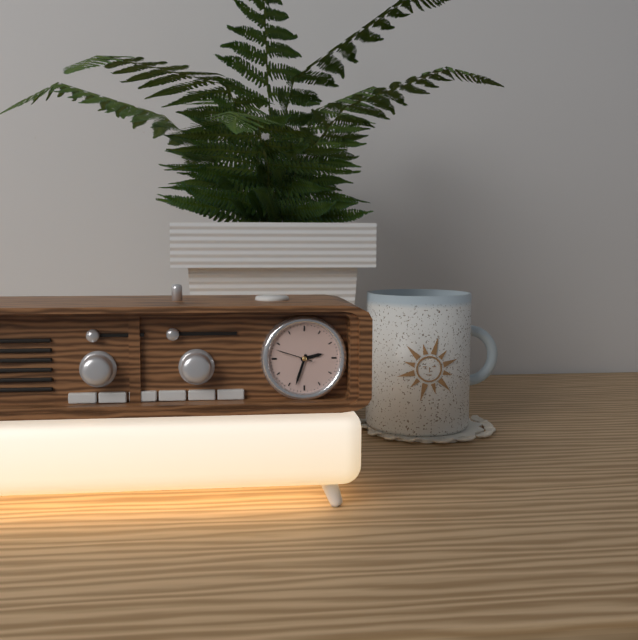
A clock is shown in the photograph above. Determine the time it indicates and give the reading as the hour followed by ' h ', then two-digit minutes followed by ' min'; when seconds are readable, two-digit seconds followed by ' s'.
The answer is 2 h 33 min
